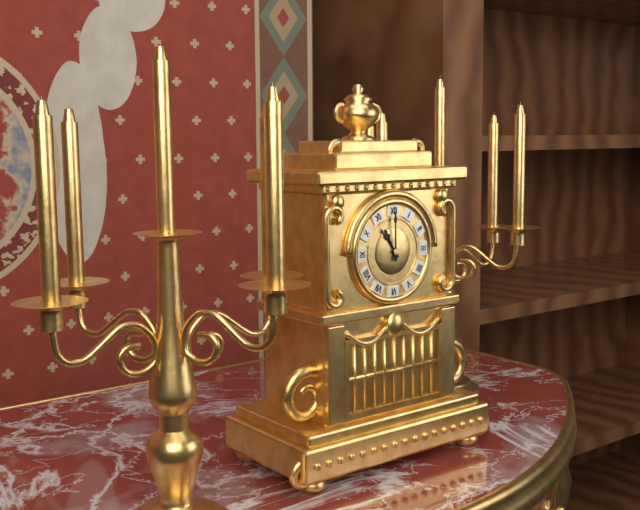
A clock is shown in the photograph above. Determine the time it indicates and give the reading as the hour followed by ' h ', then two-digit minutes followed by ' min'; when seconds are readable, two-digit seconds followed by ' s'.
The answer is 11 h 00 min
